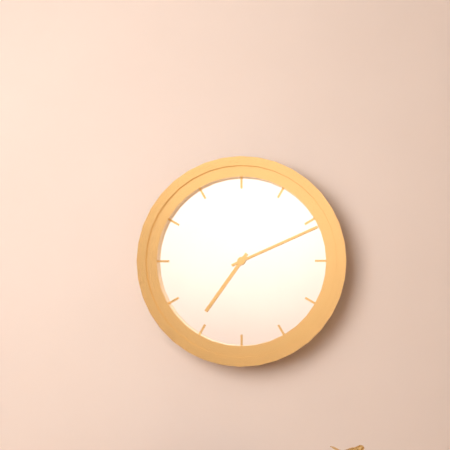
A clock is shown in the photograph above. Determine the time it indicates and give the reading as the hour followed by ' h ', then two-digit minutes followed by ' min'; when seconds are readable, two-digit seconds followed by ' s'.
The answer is 7 h 11 min
